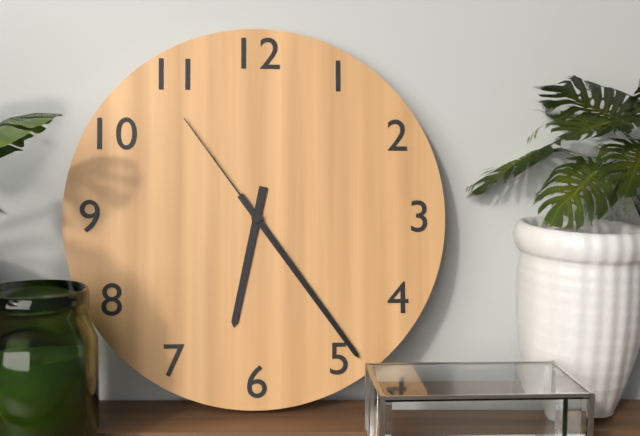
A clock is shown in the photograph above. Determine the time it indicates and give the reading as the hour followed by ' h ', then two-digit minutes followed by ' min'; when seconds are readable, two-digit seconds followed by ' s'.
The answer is 6 h 24 min 54 s
